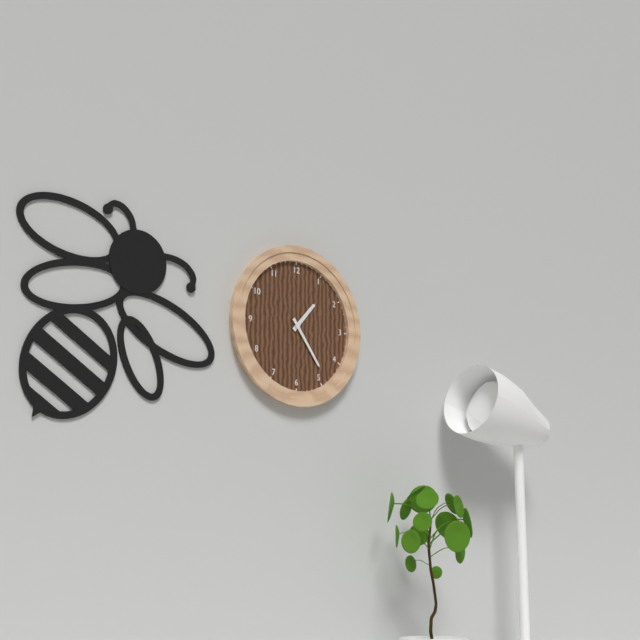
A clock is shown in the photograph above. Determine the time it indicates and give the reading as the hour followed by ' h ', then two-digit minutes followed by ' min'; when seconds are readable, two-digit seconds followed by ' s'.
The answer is 1 h 24 min
